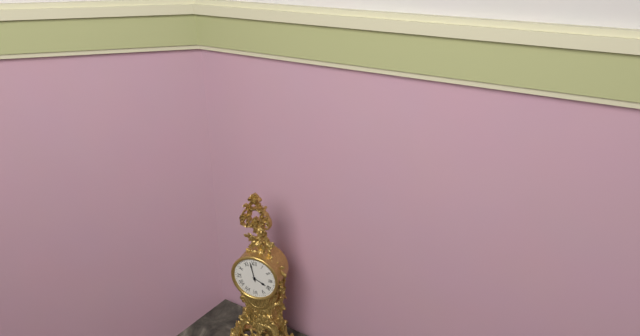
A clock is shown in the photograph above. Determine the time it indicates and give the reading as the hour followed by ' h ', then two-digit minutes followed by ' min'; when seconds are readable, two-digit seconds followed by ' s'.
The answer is 3 h 58 min
